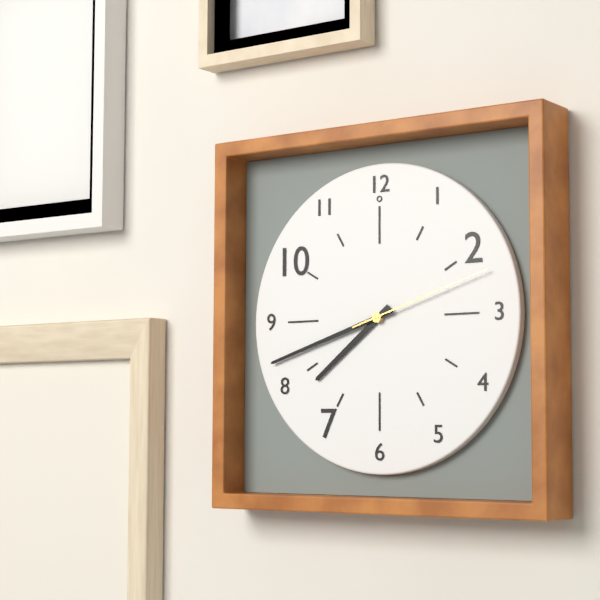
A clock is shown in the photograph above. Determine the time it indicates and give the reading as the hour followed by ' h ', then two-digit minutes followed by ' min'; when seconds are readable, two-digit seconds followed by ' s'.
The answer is 7 h 42 min 12 s
